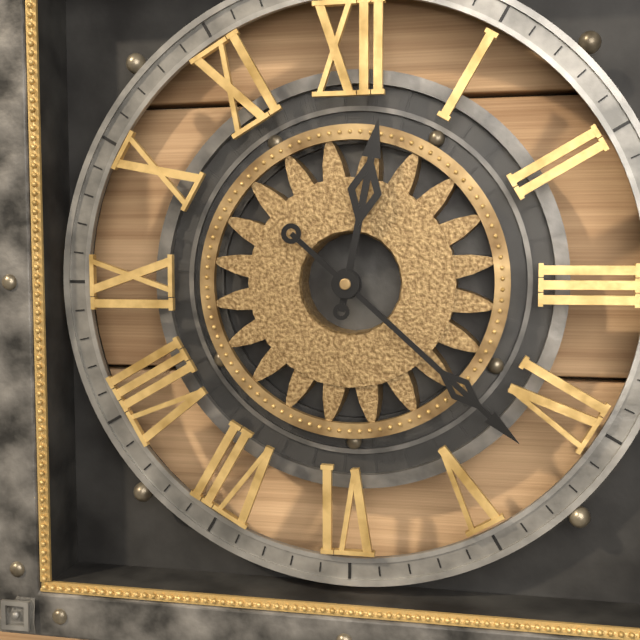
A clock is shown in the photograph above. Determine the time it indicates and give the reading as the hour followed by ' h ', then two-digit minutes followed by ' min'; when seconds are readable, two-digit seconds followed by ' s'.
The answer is 12 h 22 min
